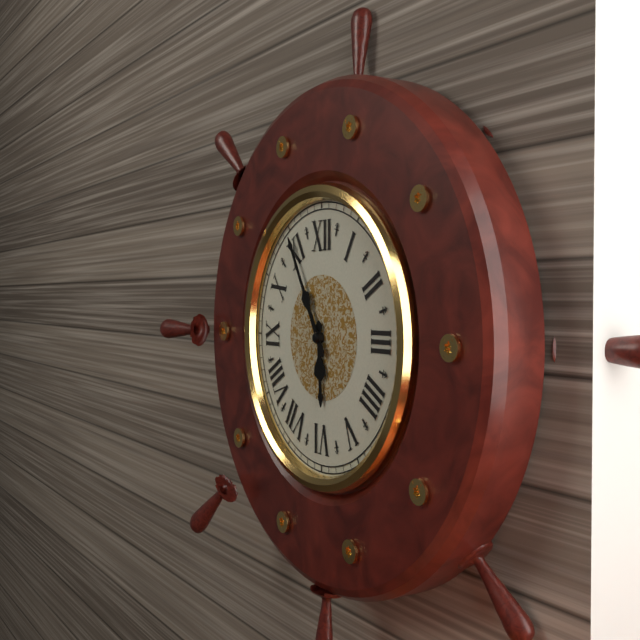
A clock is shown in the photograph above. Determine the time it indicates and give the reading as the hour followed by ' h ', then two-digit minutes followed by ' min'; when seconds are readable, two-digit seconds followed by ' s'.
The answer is 5 h 55 min
